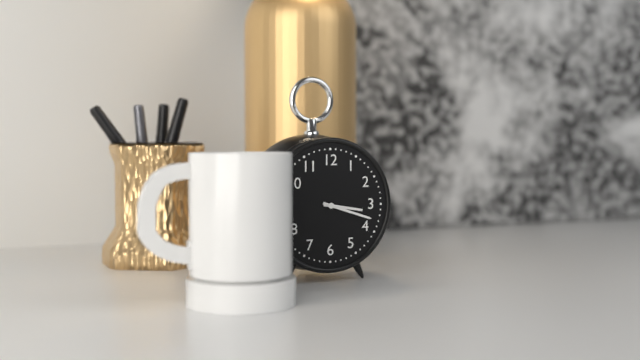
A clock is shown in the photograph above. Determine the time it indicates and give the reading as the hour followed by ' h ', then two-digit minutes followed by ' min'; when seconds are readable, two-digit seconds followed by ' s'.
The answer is 3 h 18 min
